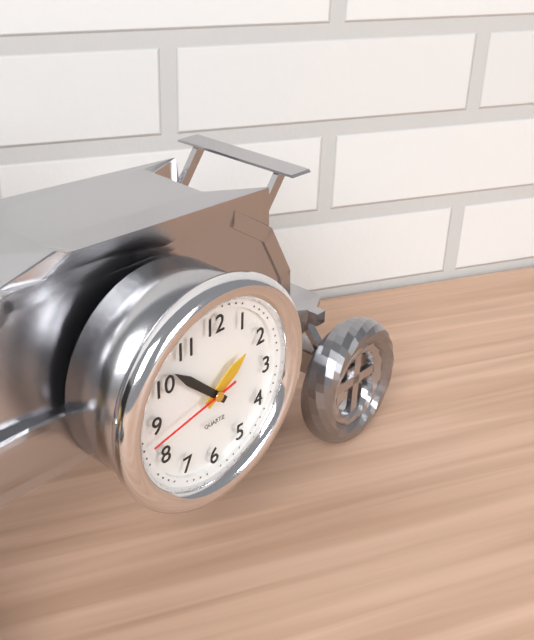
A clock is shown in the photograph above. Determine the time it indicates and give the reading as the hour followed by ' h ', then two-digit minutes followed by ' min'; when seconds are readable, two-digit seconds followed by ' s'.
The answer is 1 h 52 min 43 s
